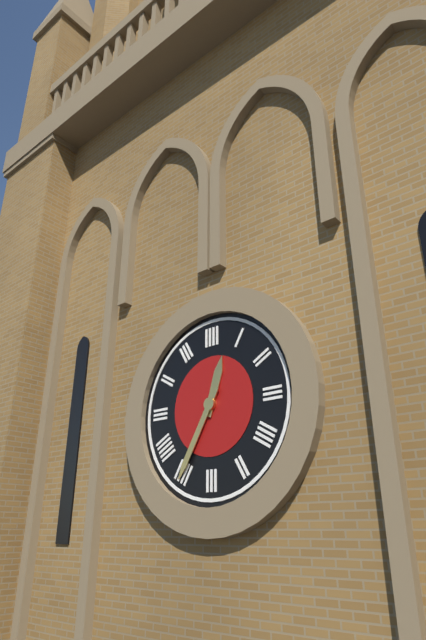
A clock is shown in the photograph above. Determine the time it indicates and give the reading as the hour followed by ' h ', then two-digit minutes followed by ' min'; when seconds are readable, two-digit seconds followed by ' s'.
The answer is 12 h 35 min
